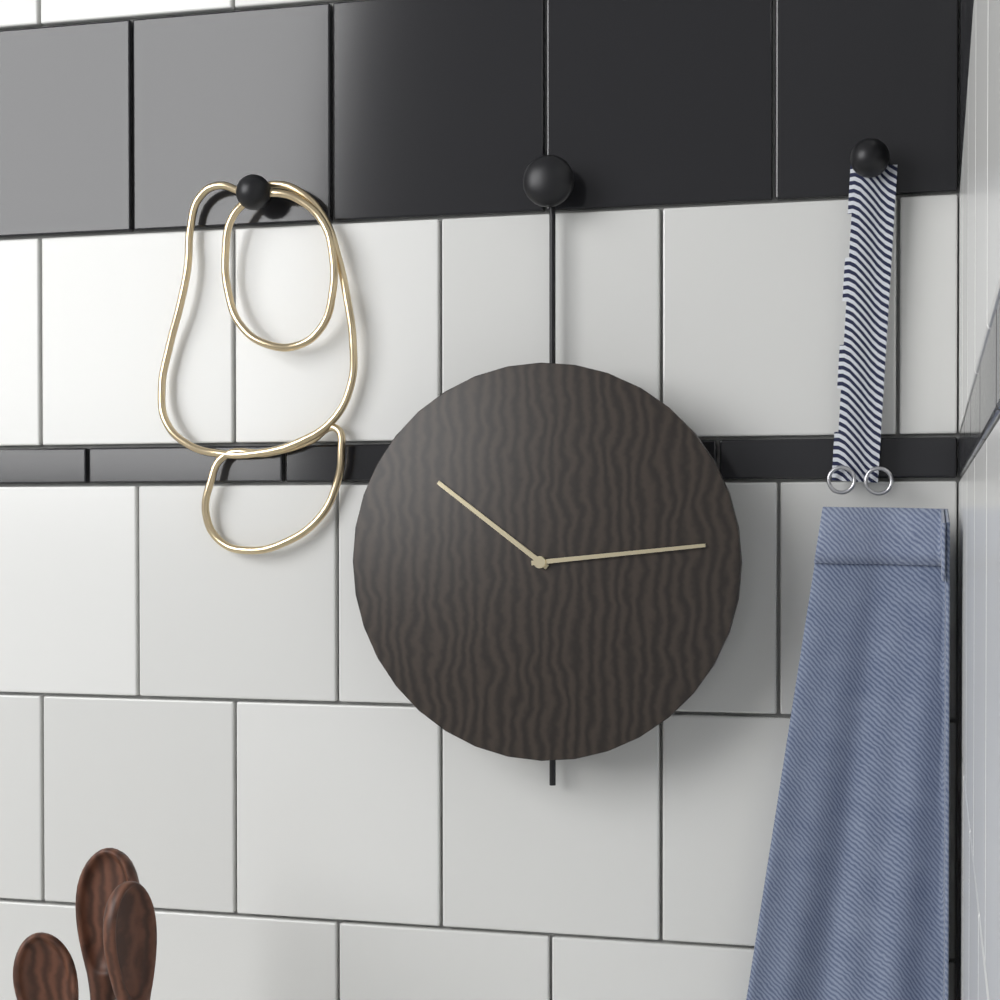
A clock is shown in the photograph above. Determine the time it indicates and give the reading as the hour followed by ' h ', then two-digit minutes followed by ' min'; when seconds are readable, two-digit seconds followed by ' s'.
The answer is 10 h 14 min
